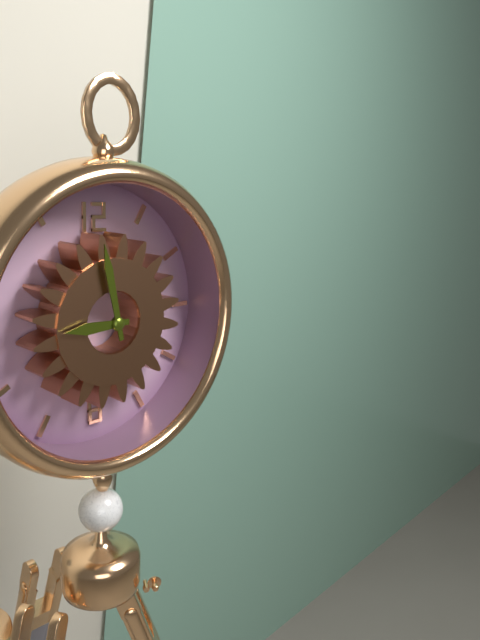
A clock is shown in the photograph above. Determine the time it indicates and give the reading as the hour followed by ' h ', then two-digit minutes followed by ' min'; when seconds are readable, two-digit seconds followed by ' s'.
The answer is 8 h 58 min
